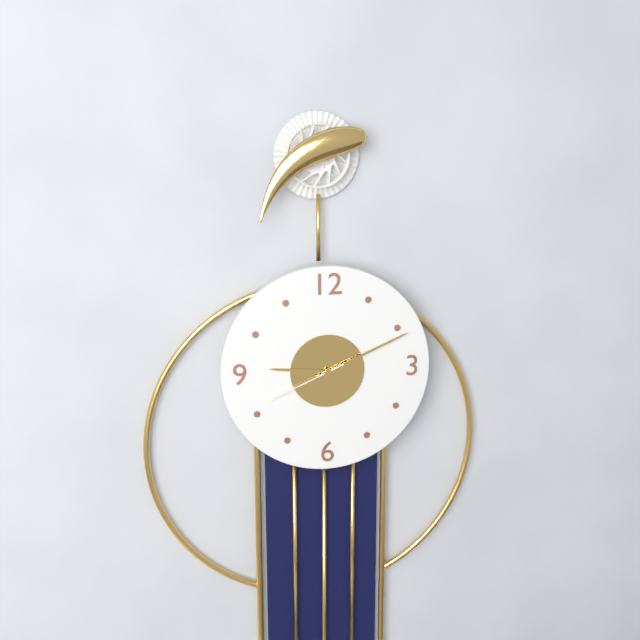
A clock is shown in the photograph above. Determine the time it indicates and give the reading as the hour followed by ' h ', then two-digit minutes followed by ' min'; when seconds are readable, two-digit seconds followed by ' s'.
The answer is 9 h 11 min 41 s
